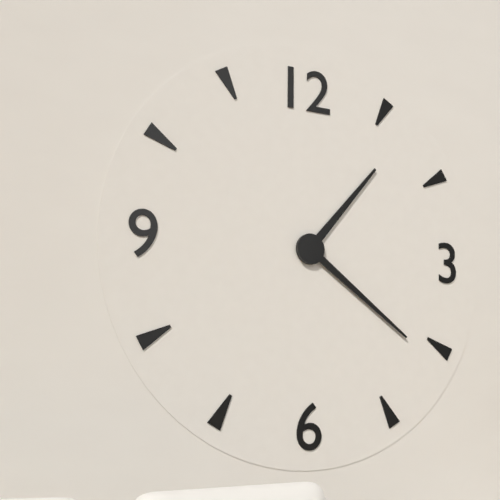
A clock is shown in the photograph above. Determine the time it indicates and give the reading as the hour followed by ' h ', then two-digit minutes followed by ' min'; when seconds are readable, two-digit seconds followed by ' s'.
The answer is 1 h 21 min
